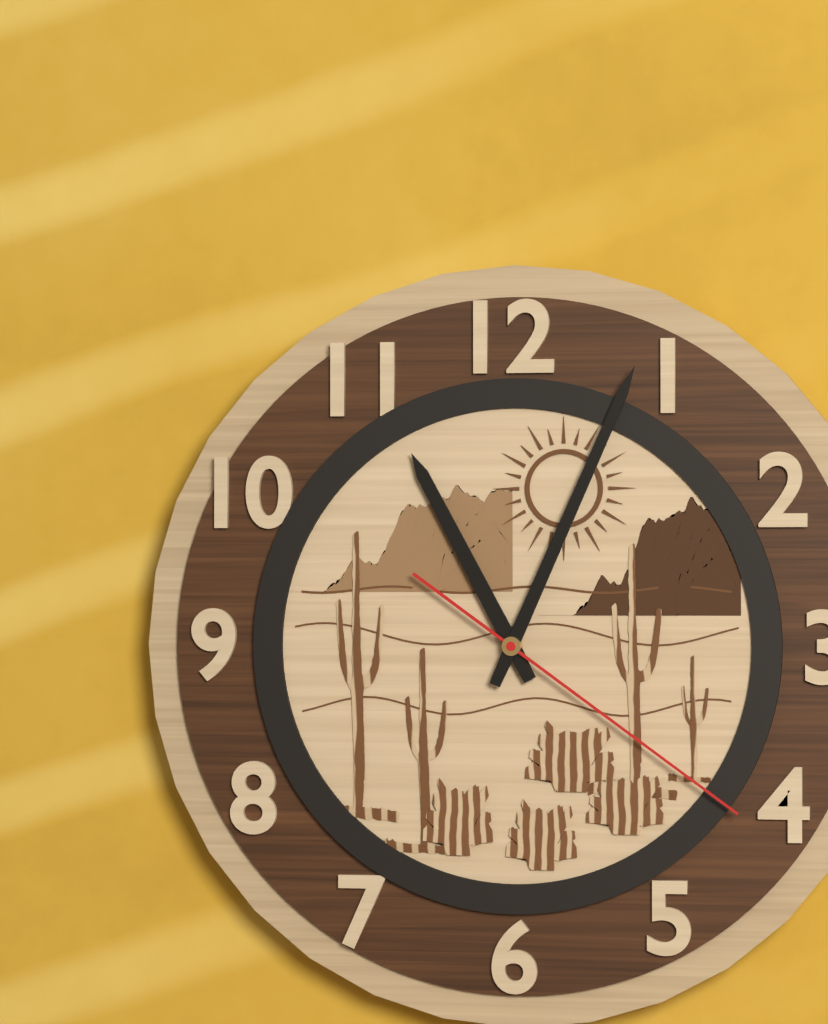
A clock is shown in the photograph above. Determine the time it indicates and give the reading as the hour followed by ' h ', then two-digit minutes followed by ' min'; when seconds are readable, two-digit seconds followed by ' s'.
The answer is 11 h 04 min 21 s
